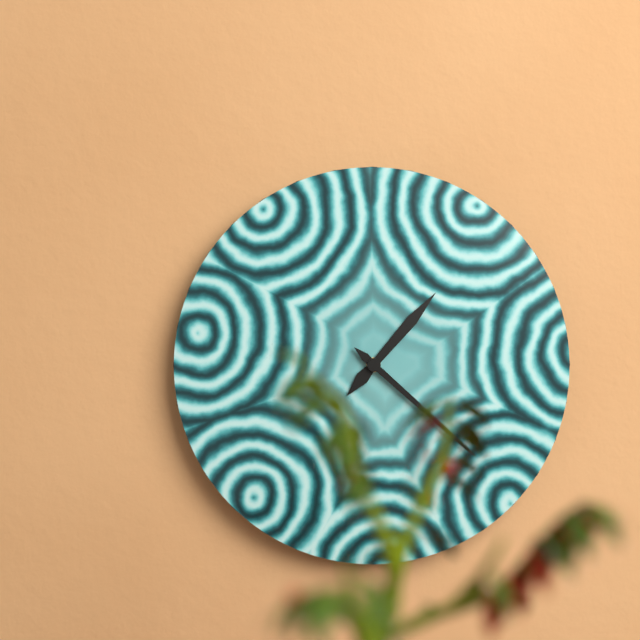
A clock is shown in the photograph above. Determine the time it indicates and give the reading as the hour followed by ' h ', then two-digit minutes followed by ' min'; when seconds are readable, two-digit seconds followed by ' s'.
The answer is 1 h 22 min
